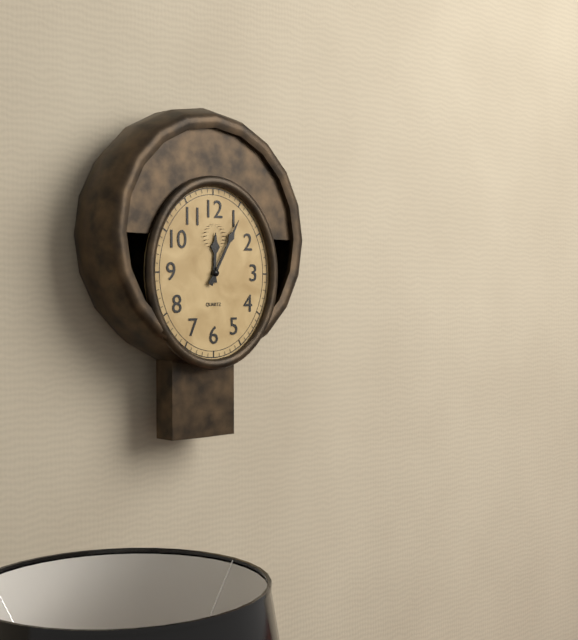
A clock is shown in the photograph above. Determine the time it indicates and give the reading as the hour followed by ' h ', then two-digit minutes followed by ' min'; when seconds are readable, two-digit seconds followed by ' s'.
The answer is 12 h 05 min
